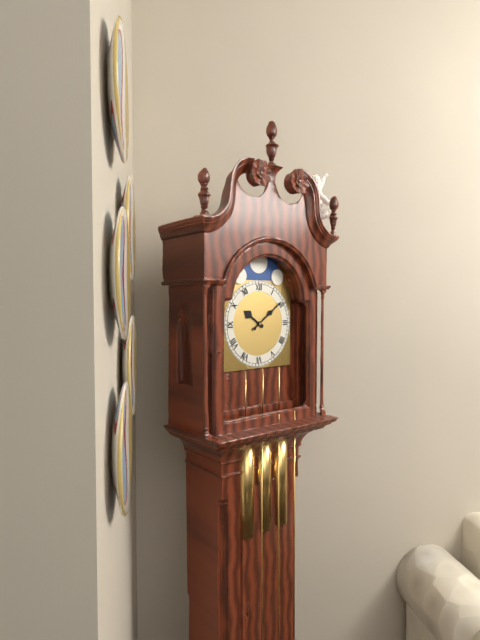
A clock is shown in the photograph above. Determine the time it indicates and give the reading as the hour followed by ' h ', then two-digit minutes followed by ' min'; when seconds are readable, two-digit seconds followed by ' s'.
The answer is 10 h 09 min
